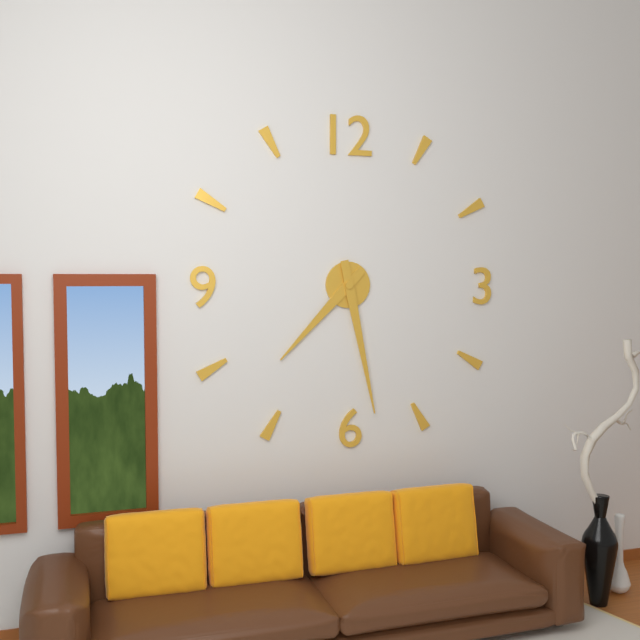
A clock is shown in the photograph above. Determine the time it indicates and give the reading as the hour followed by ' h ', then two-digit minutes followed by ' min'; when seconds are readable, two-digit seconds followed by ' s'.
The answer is 7 h 28 min
